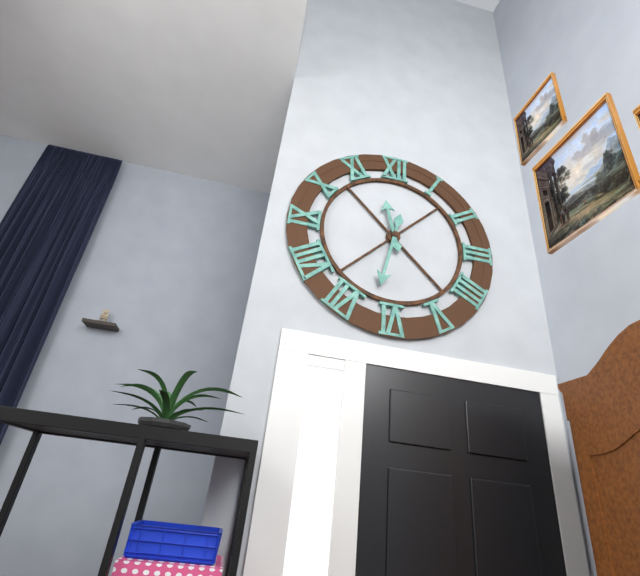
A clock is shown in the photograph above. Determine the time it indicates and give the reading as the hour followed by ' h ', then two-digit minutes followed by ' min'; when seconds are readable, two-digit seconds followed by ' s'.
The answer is 11 h 32 min
